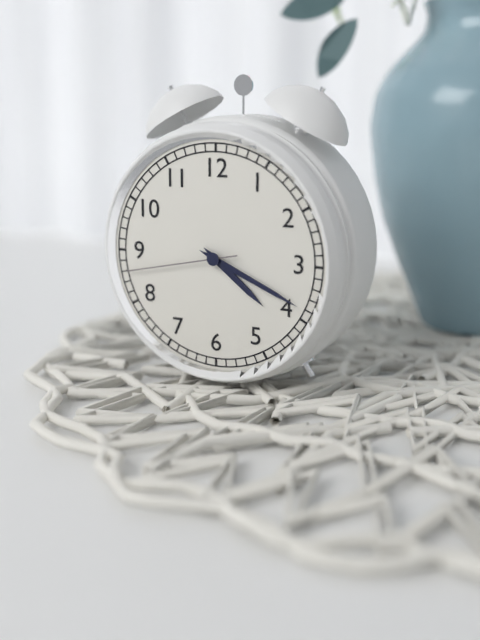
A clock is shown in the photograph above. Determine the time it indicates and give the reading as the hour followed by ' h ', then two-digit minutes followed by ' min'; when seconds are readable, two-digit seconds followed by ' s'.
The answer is 4 h 19 min 43 s
